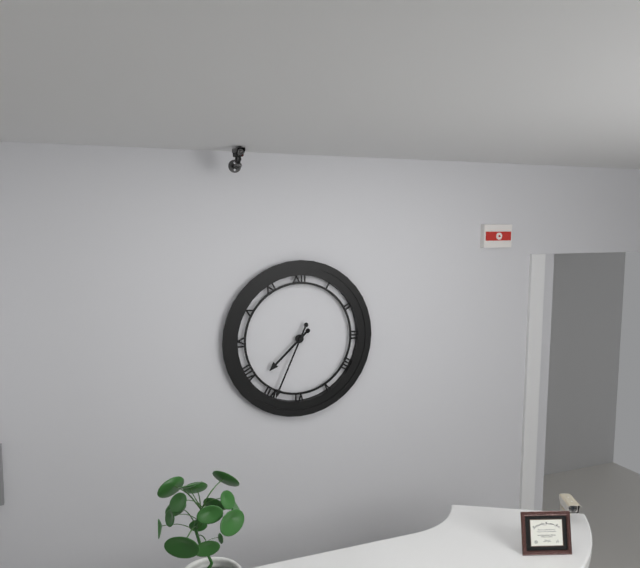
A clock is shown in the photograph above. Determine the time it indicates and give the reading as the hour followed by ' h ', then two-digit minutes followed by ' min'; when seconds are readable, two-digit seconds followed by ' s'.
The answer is 7 h 34 min
